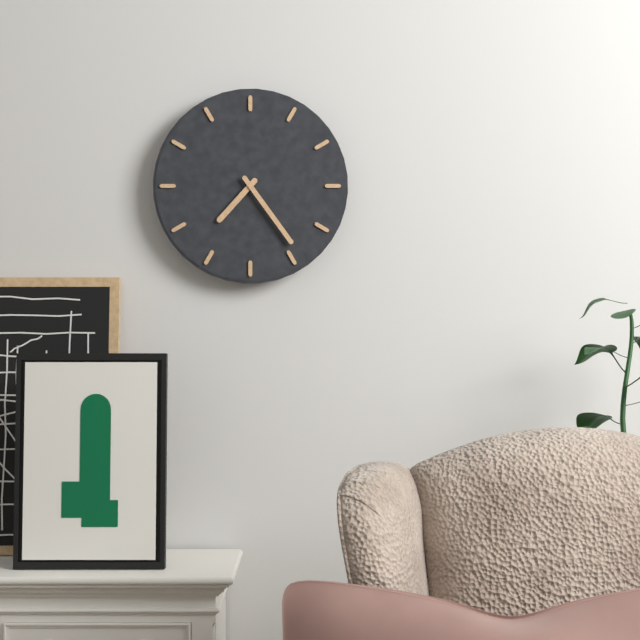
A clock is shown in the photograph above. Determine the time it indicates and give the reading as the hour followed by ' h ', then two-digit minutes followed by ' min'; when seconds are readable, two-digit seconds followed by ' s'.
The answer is 7 h 24 min
